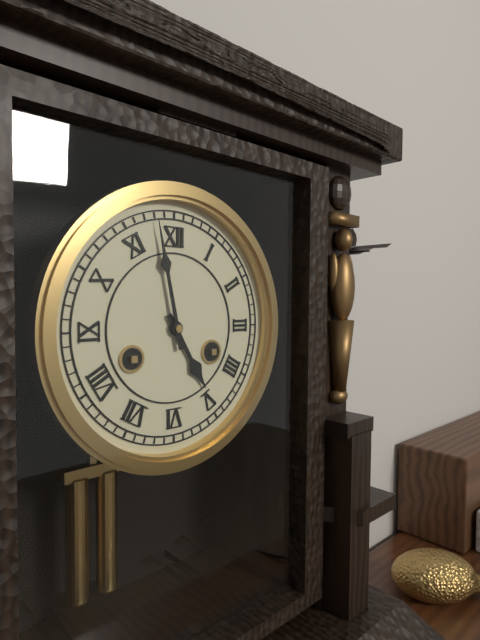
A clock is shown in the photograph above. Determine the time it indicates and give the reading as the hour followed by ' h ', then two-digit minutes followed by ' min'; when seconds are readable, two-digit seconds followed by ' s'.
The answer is 4 h 58 min
